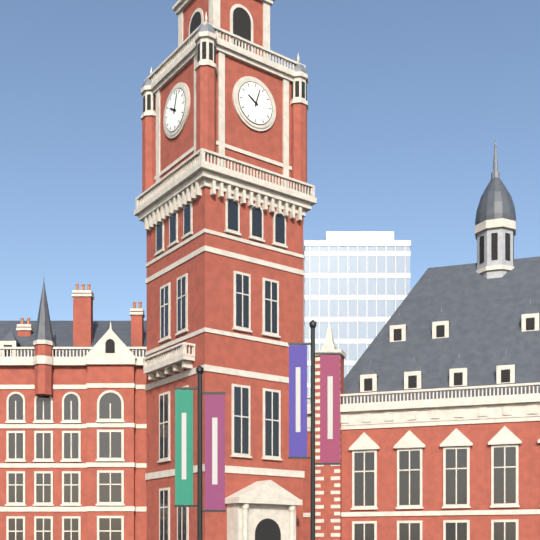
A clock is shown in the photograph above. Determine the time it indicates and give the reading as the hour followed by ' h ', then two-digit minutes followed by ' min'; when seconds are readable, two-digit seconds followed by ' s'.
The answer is 10 h 03 min
